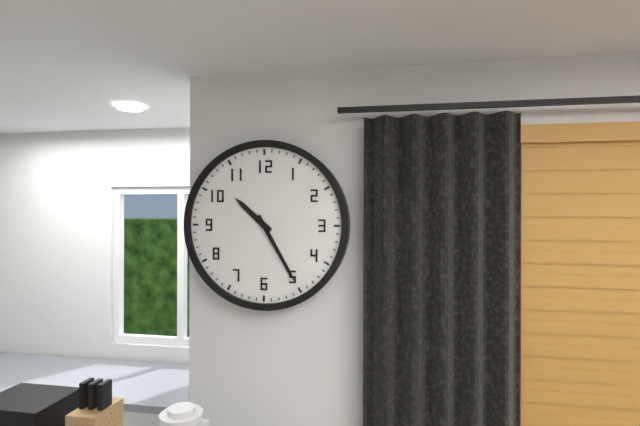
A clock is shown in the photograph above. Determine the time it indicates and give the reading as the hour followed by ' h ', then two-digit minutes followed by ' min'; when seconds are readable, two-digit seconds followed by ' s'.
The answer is 10 h 25 min
